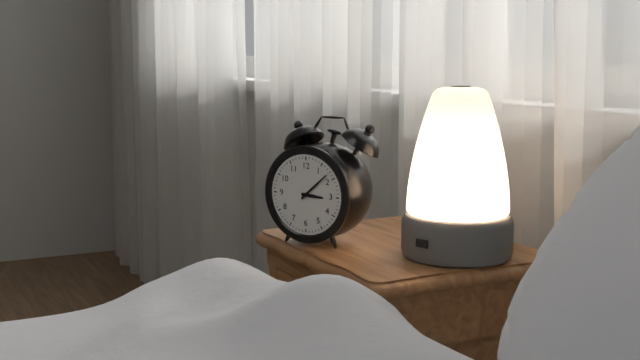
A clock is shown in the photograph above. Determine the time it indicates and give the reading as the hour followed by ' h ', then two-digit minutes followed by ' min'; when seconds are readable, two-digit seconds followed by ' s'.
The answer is 3 h 08 min
